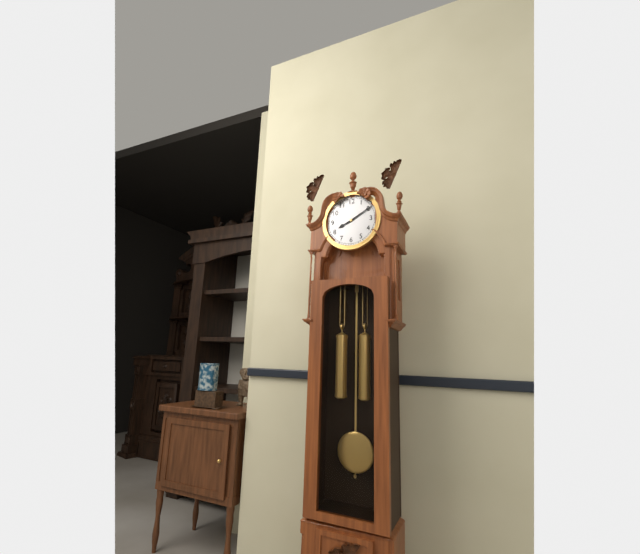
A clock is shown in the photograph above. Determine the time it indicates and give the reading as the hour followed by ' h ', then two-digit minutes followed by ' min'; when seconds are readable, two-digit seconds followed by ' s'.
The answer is 8 h 10 min
